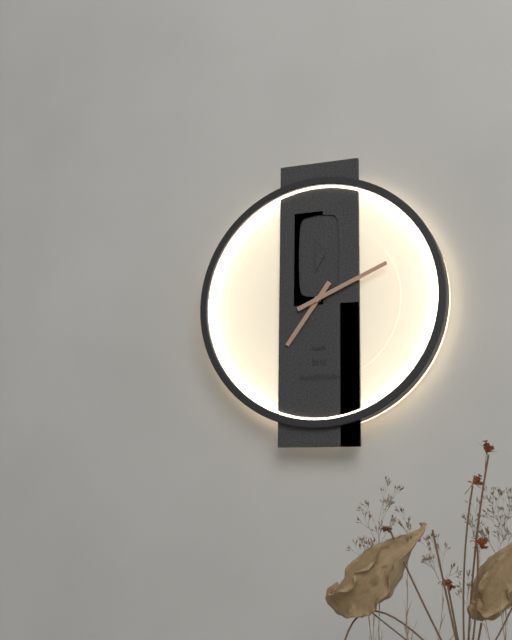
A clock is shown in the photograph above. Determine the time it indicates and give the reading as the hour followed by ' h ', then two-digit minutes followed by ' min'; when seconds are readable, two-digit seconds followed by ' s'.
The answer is 7 h 11 min
